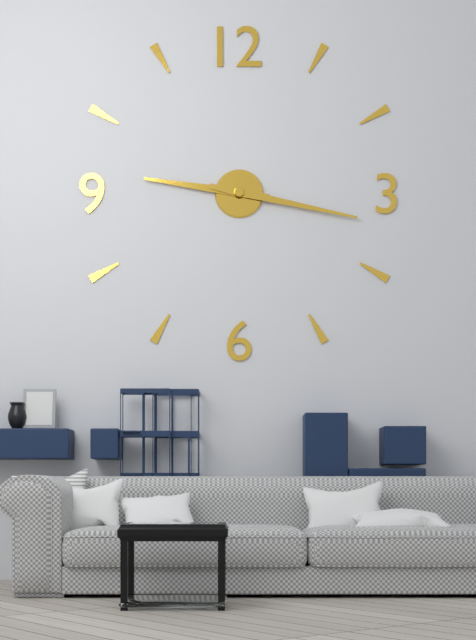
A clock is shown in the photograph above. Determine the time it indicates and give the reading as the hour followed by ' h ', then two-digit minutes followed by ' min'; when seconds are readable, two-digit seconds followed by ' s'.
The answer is 9 h 17 min
